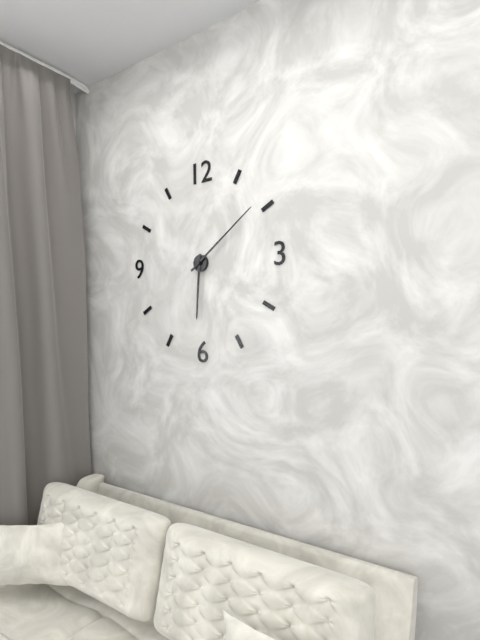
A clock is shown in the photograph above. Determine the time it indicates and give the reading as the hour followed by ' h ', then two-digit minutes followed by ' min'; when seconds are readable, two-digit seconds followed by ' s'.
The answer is 6 h 09 min
